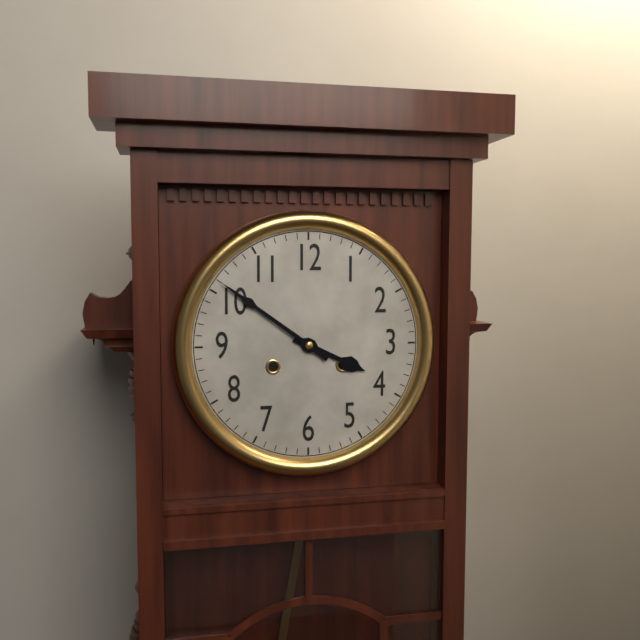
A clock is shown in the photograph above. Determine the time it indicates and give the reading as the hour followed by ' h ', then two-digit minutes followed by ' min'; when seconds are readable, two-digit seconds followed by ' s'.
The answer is 3 h 51 min
